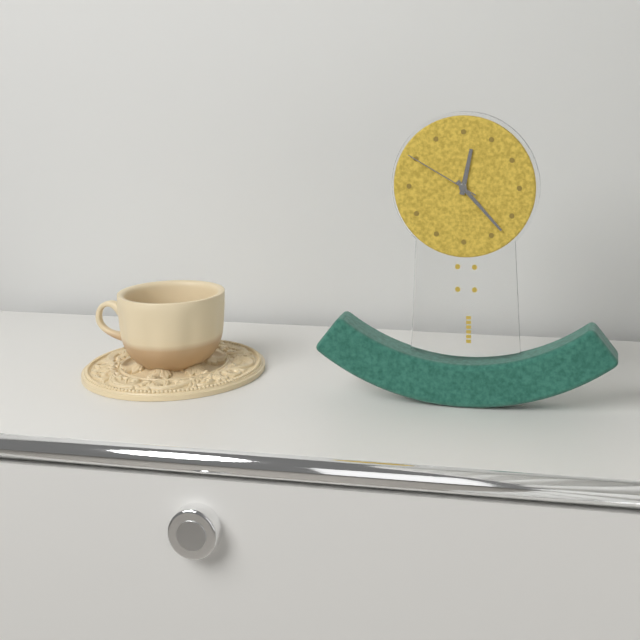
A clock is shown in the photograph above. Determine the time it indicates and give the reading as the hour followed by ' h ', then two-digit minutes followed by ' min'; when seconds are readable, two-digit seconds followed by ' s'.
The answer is 12 h 23 min 50 s
